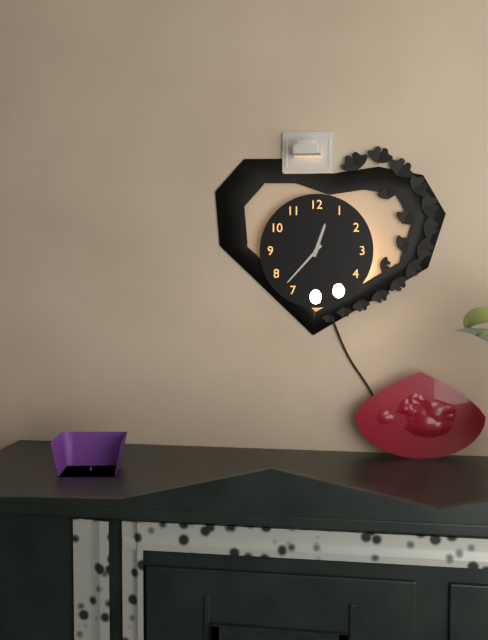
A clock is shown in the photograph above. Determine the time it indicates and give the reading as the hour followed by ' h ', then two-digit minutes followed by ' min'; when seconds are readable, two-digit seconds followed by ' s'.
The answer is 12 h 37 min
